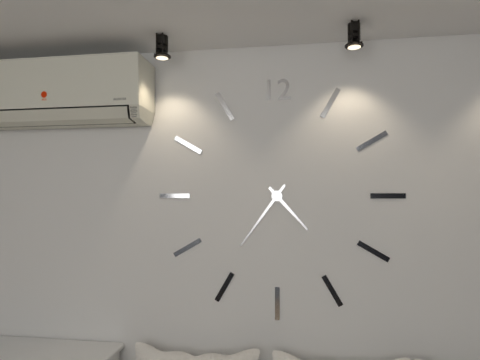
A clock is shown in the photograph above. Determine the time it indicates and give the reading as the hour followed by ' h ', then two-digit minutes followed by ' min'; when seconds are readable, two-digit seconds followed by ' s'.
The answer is 4 h 36 min
